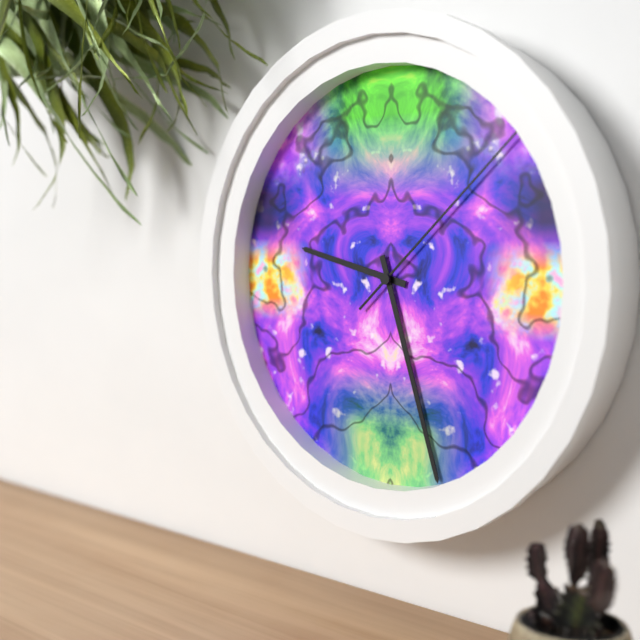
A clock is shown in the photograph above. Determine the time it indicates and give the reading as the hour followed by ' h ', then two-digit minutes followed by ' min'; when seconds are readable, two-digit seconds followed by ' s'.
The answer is 9 h 27 min 08 s
